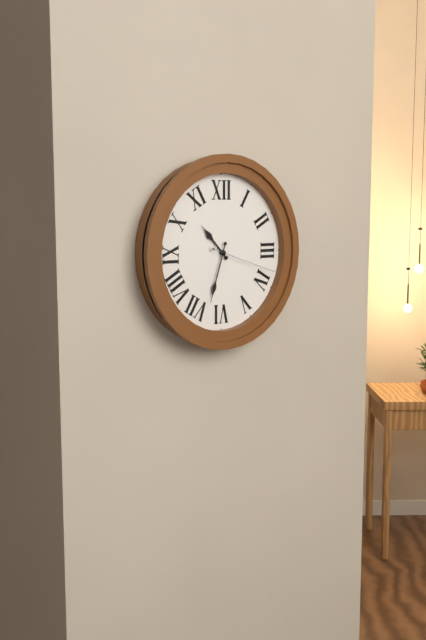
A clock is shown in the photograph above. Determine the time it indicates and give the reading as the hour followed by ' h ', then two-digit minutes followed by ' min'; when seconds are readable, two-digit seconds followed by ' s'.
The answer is 10 h 33 min 18 s
